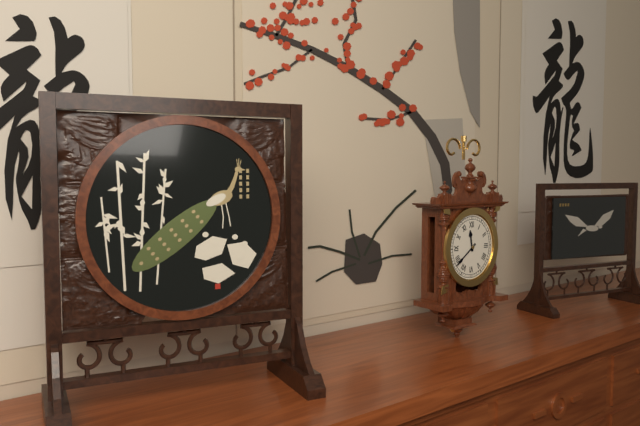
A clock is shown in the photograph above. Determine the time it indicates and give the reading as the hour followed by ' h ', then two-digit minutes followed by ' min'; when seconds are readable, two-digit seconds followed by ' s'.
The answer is 11 h 39 min
